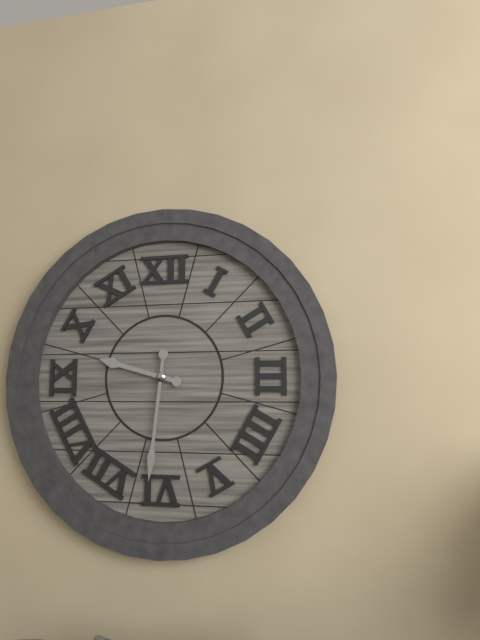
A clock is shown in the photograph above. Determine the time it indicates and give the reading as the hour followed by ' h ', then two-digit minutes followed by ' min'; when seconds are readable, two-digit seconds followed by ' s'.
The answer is 9 h 31 min
